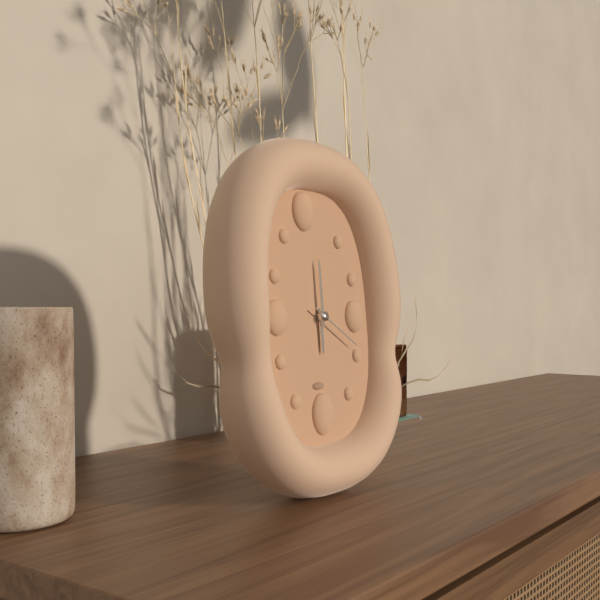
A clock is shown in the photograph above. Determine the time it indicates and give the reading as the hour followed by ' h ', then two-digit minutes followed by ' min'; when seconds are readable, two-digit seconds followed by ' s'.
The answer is 6 h 00 min 20 s
